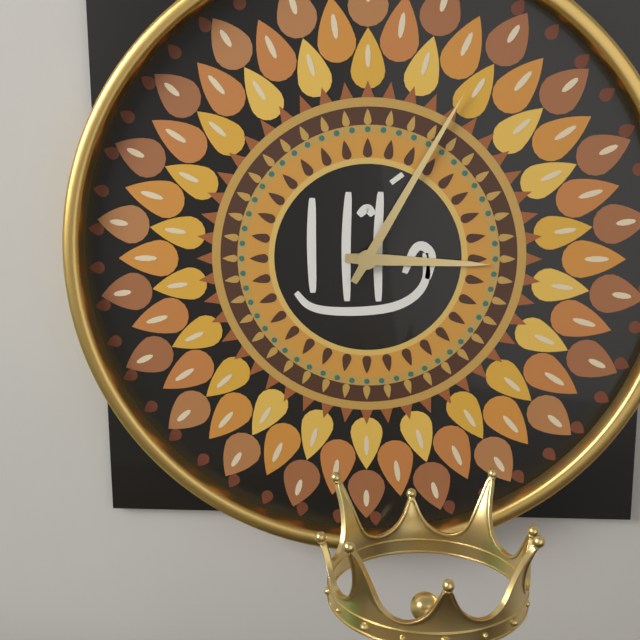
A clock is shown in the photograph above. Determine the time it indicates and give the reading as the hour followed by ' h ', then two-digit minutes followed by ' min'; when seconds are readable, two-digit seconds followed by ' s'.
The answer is 3 h 05 min
